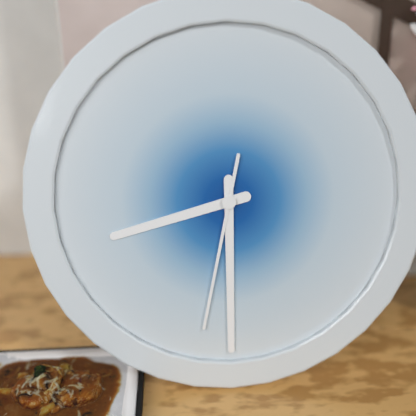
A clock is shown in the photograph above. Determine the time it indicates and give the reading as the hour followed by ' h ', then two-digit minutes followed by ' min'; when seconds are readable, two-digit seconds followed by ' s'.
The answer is 8 h 30 min 32 s
